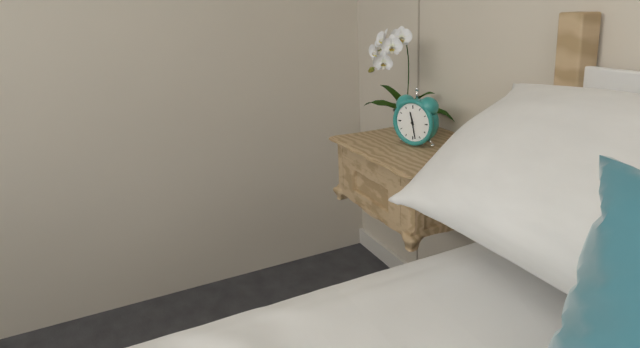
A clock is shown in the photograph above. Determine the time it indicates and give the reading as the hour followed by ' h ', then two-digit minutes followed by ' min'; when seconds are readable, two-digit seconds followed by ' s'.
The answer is 11 h 28 min
